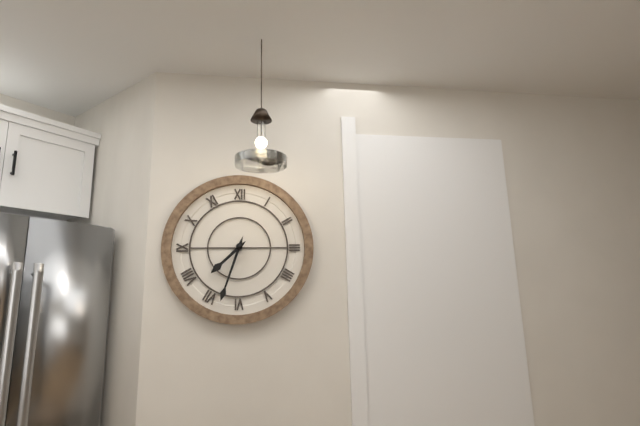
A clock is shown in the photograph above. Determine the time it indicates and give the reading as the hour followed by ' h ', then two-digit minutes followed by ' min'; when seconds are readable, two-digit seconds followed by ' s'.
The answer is 7 h 33 min
